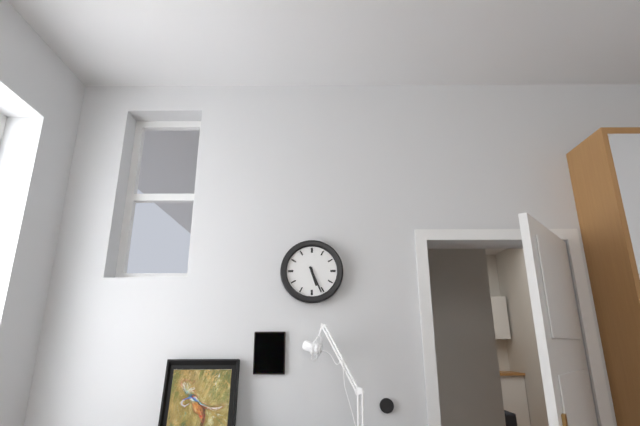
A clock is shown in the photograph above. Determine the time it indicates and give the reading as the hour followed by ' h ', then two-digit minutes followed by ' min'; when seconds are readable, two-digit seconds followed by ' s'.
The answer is 5 h 26 min
